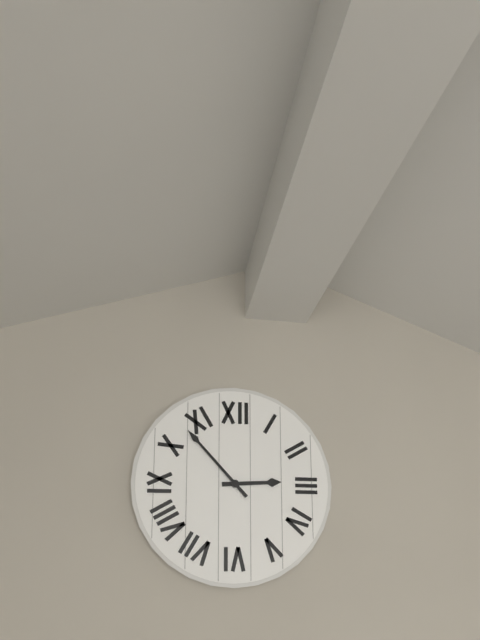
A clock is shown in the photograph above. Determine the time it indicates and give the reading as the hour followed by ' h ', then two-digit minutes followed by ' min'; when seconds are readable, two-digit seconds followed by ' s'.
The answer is 2 h 53 min
